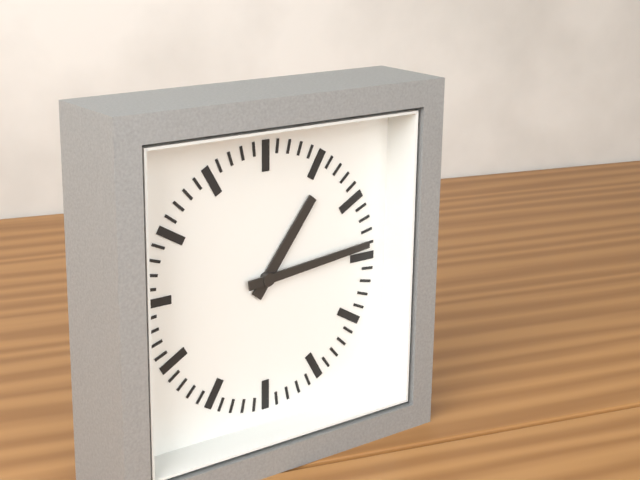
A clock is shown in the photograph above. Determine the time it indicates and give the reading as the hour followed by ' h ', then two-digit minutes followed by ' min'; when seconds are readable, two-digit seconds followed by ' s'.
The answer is 1 h 14 min
